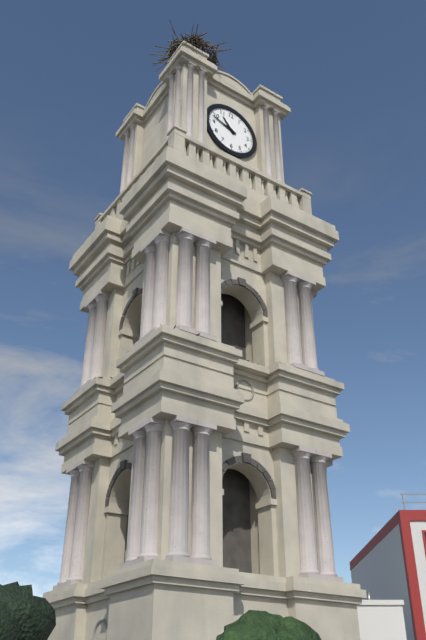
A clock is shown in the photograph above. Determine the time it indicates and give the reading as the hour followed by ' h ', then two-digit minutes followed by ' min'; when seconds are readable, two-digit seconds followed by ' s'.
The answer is 10 h 48 min
